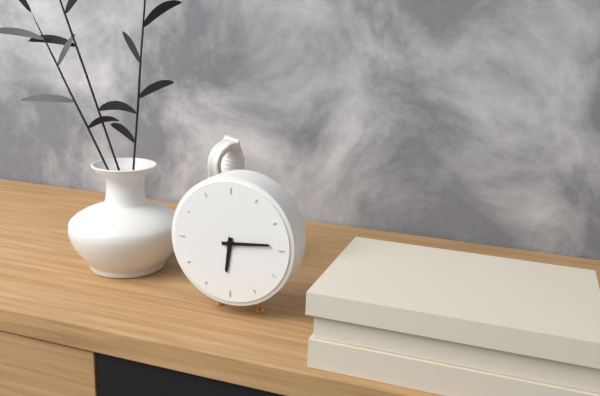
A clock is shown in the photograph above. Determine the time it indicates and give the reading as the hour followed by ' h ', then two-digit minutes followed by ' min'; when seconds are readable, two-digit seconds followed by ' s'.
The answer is 6 h 14 min
